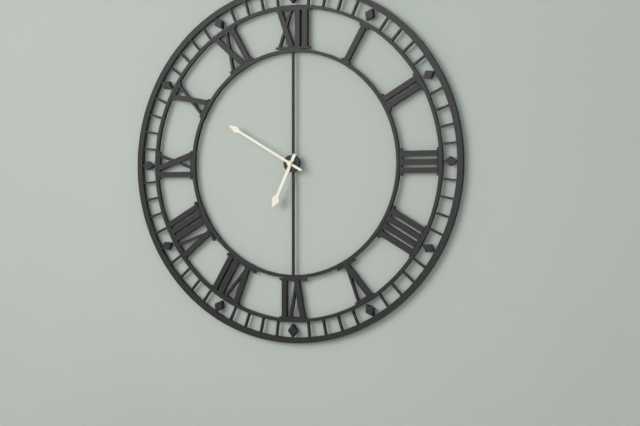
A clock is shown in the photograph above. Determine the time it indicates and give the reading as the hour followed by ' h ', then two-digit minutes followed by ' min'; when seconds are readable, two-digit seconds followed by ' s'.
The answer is 6 h 50 min
